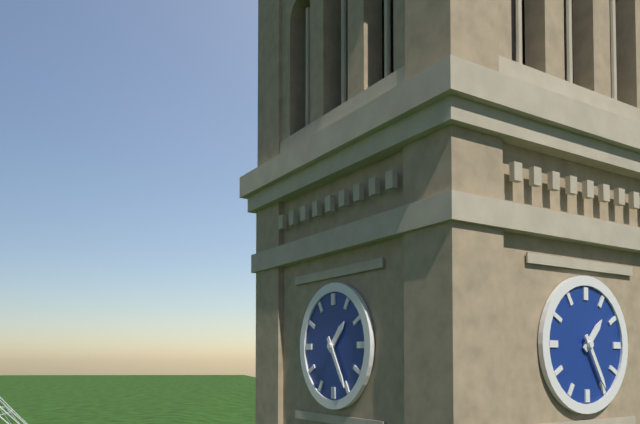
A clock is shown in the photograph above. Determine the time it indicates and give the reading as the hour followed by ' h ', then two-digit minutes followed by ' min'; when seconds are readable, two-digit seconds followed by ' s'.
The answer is 1 h 25 min
